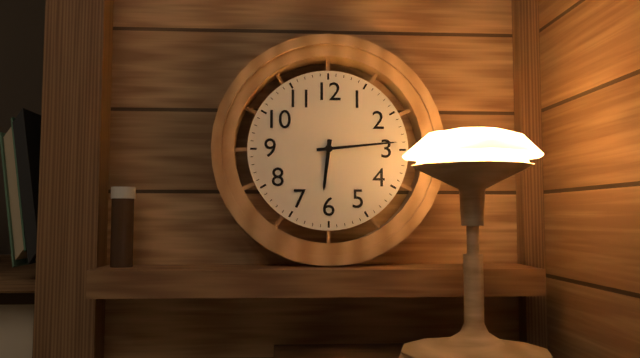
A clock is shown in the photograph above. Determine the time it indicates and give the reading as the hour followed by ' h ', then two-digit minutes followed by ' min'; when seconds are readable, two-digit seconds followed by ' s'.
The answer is 6 h 14 min
